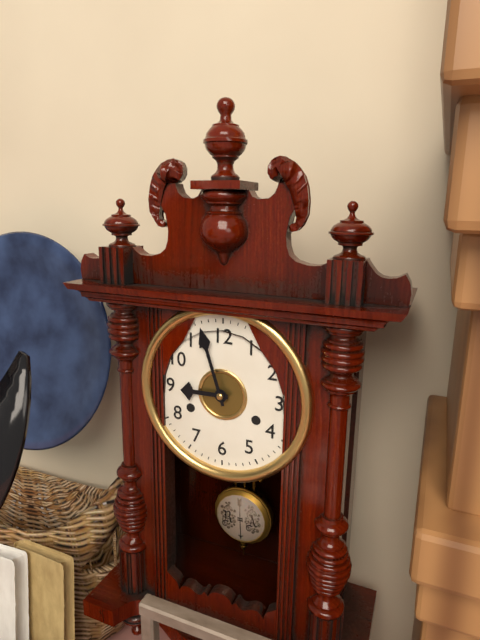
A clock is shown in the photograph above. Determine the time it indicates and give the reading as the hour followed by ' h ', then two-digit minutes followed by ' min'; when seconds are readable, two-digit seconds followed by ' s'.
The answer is 8 h 57 min
